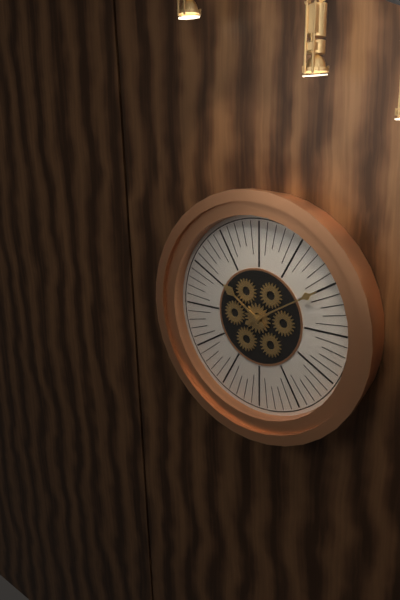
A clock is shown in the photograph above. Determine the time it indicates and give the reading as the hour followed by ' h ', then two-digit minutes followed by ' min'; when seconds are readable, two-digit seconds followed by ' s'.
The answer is 10 h 10 min
